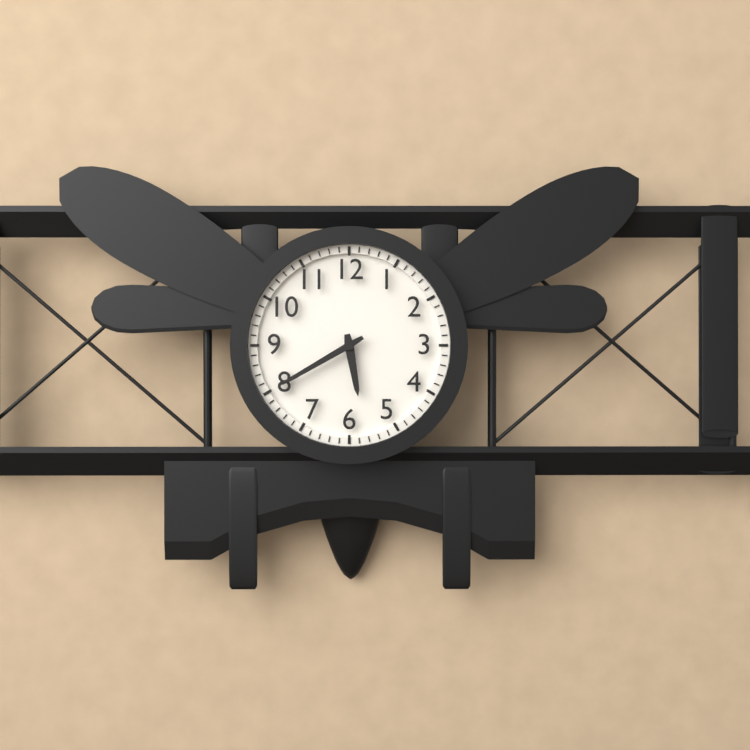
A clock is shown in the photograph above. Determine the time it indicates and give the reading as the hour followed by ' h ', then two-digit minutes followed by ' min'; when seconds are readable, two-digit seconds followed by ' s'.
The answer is 5 h 40 min
